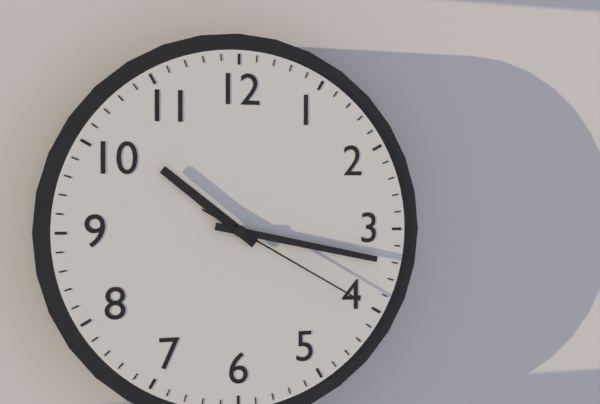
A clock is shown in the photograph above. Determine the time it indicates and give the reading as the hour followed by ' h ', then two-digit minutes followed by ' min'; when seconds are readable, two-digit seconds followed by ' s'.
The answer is 10 h 17 min 20 s
